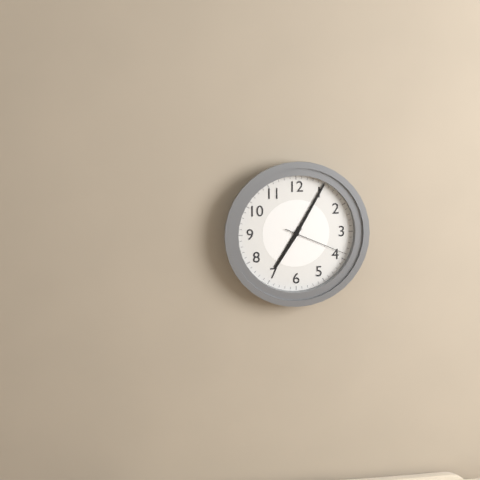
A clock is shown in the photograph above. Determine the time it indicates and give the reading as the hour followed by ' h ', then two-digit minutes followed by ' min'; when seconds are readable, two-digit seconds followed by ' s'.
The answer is 7 h 05 min 19 s
